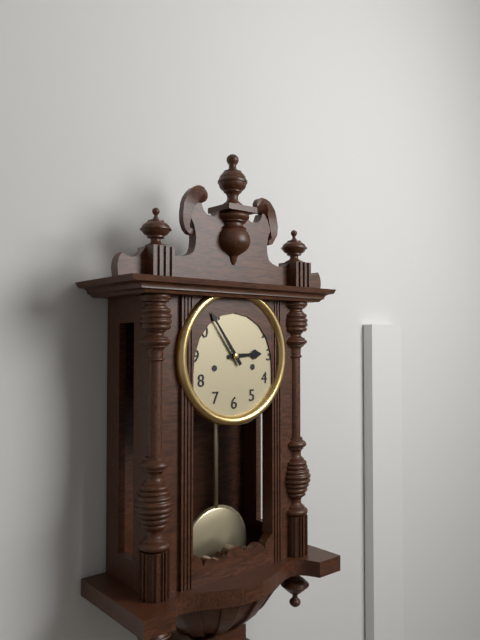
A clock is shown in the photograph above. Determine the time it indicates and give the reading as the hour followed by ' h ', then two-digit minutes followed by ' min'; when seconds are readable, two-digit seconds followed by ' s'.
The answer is 2 h 54 min
